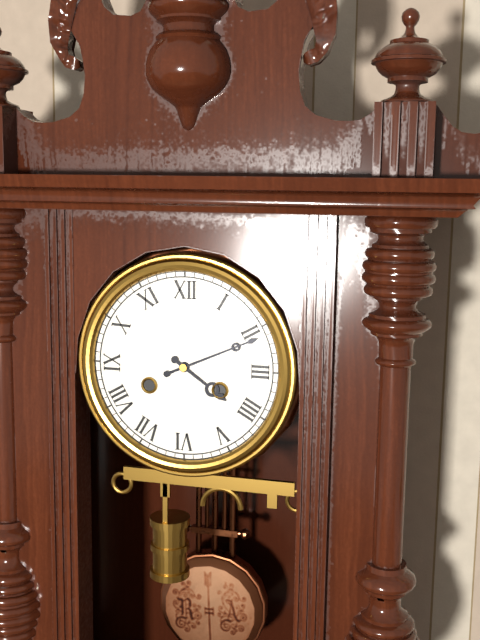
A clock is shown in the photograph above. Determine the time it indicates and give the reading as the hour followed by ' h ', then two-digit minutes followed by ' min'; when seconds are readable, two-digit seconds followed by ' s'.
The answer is 4 h 11 min
